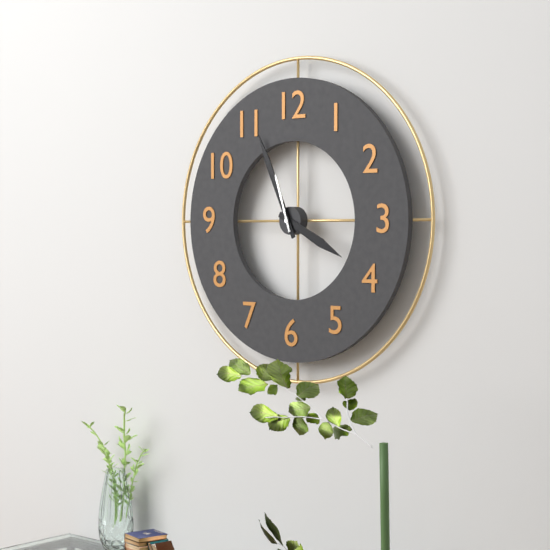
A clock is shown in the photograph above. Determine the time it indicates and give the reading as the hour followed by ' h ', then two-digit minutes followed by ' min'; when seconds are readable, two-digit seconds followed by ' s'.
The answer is 3 h 56 min 57 s
